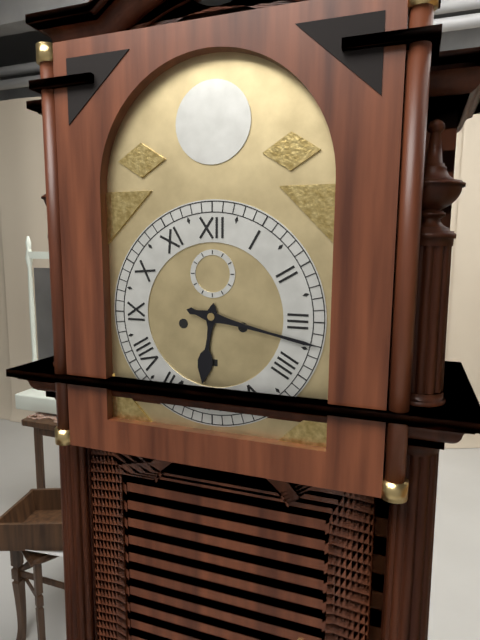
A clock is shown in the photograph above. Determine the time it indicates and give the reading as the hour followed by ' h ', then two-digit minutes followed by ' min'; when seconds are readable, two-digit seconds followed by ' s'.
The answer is 6 h 17 min
